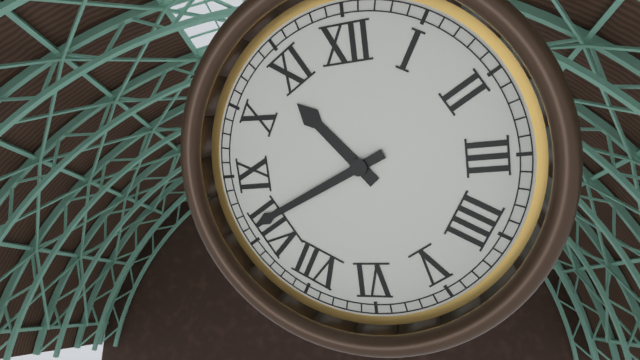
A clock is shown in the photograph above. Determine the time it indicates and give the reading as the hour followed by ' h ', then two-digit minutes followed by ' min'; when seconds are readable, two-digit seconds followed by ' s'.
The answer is 10 h 41 min
